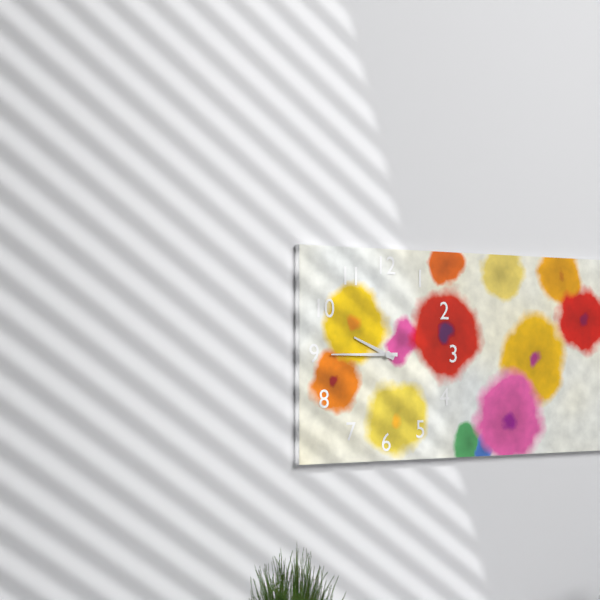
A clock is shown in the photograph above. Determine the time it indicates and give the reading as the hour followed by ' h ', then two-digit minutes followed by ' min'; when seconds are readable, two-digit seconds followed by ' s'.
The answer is 9 h 45 min
